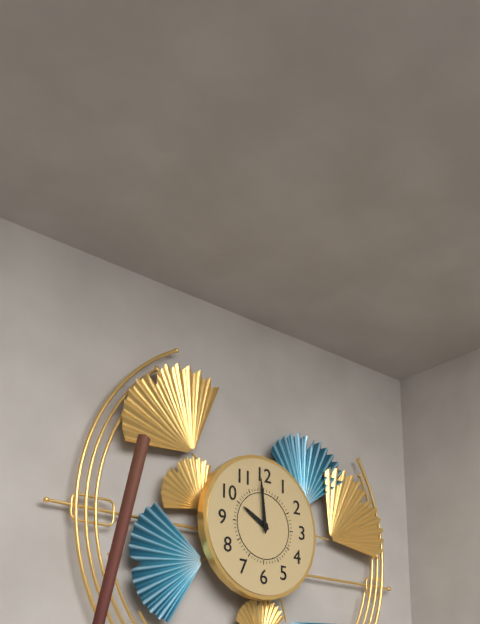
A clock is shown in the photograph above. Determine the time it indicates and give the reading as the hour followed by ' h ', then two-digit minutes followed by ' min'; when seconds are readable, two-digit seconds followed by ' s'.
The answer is 9 h 59 min
